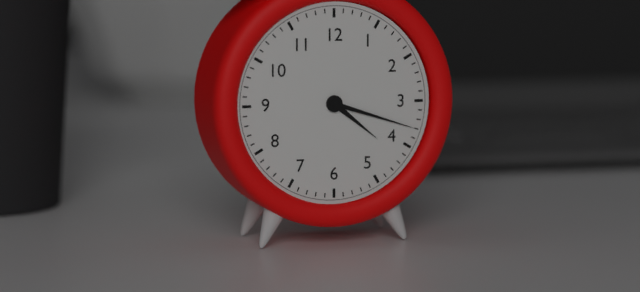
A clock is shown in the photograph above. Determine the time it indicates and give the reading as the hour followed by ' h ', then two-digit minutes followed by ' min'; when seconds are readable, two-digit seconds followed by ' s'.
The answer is 4 h 18 min
